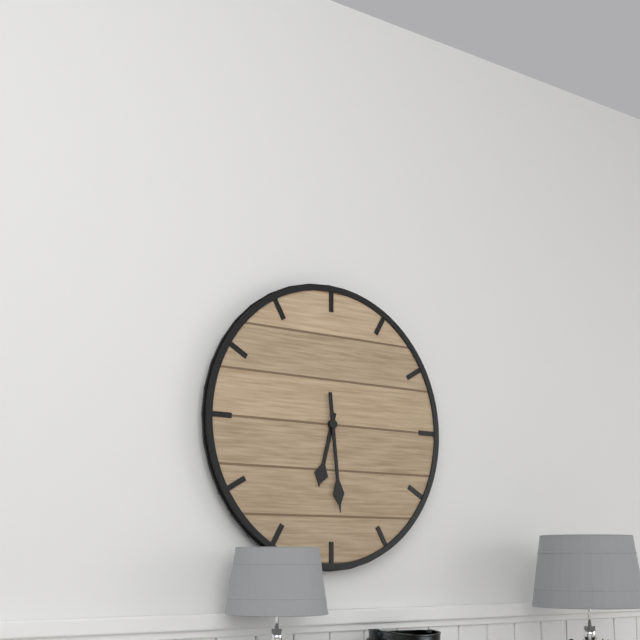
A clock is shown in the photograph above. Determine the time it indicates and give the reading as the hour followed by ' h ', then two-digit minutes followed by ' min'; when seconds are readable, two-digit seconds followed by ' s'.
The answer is 6 h 29 min
